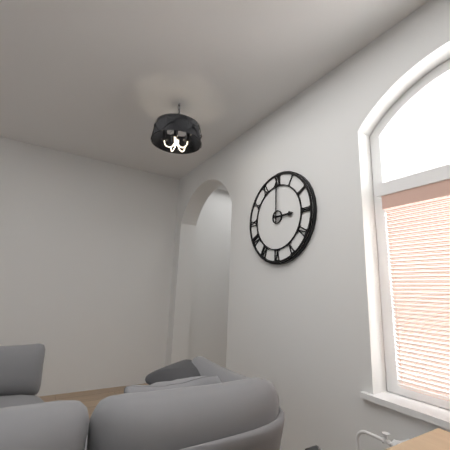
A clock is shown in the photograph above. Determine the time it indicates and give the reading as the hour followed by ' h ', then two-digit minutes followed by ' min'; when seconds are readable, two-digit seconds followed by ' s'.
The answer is 3 h 00 min
